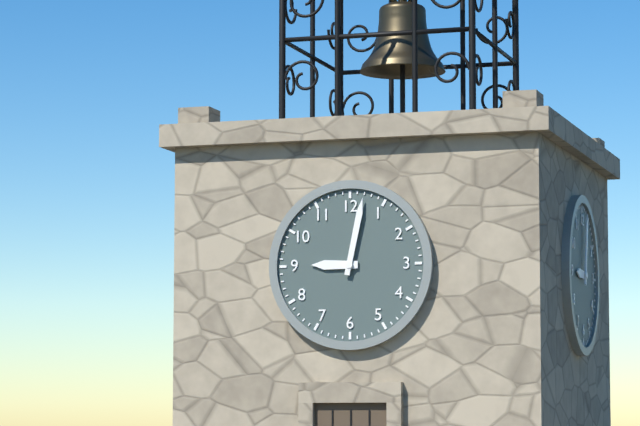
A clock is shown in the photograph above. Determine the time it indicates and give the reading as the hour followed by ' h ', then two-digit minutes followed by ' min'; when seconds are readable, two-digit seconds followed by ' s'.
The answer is 9 h 02 min
